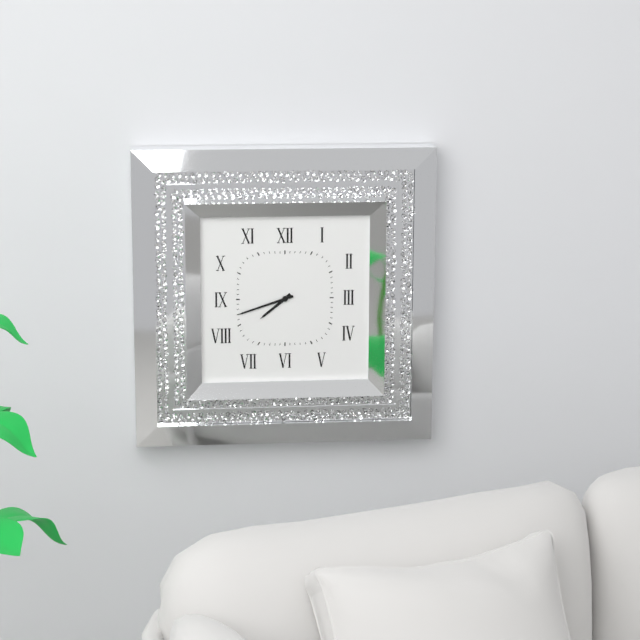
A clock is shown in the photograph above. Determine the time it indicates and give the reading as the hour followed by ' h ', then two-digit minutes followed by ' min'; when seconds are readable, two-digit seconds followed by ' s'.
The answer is 7 h 42 min
